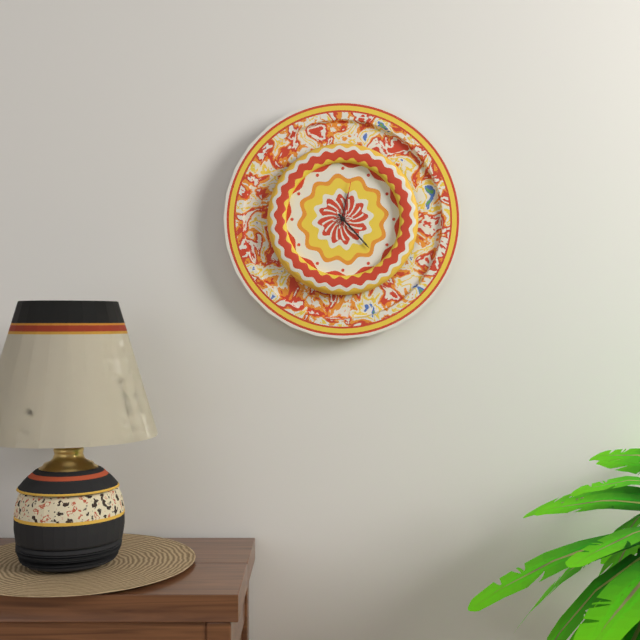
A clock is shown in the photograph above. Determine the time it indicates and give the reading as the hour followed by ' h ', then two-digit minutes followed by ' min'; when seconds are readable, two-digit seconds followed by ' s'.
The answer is 12 h 23 min
